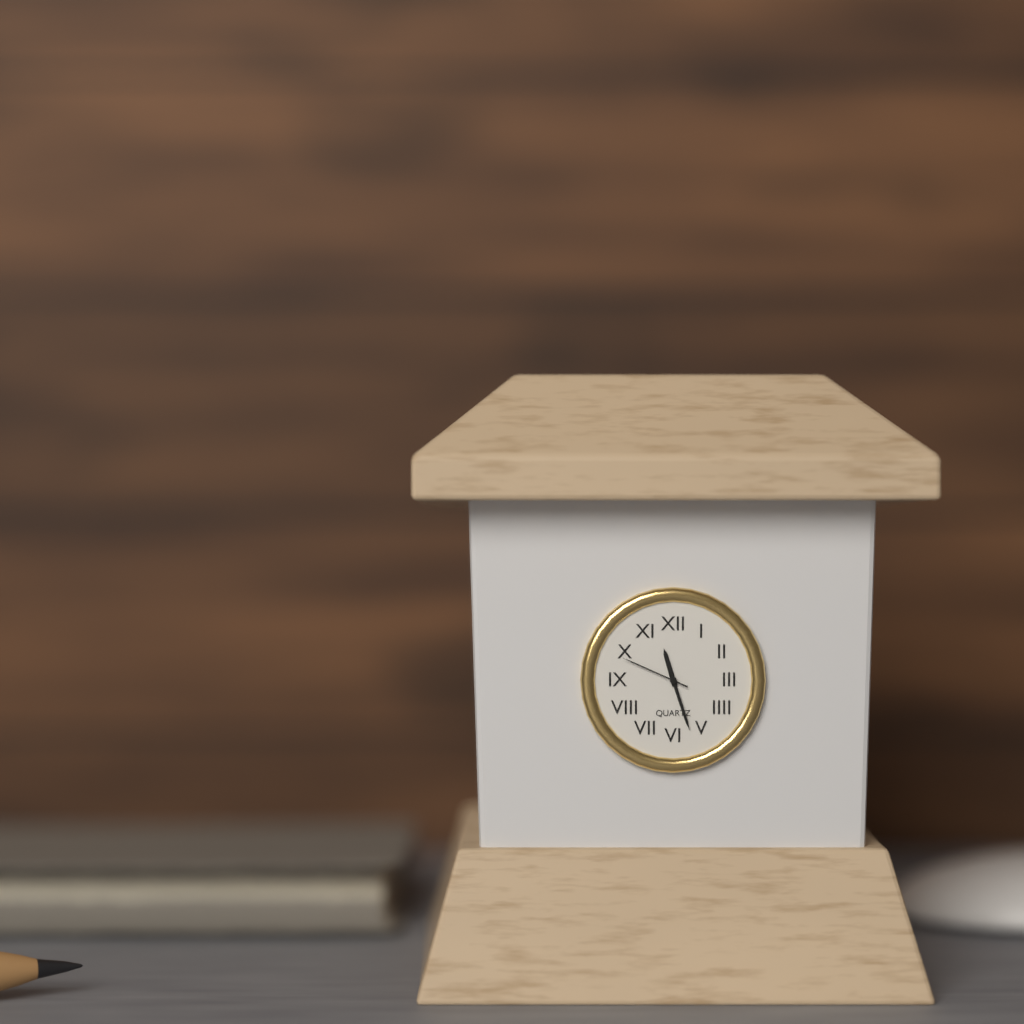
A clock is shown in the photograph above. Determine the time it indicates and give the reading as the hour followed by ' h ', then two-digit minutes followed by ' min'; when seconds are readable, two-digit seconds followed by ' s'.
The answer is 11 h 27 min 49 s
